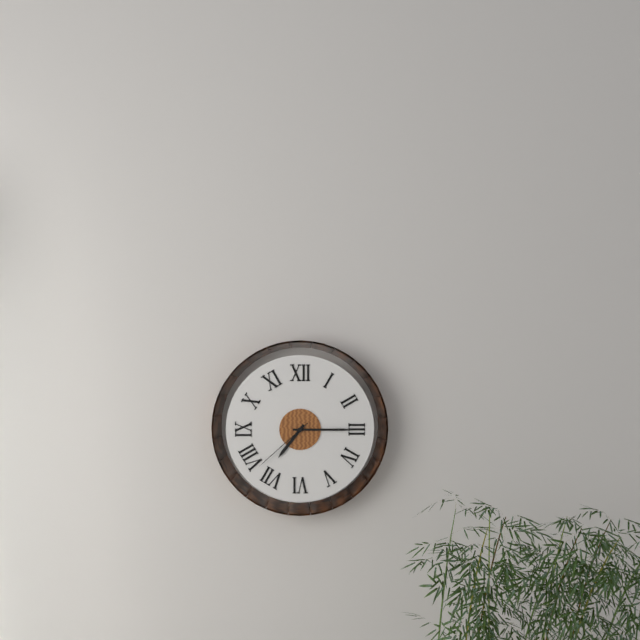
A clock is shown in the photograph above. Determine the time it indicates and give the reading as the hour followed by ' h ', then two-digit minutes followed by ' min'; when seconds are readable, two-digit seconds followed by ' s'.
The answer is 7 h 15 min 38 s
